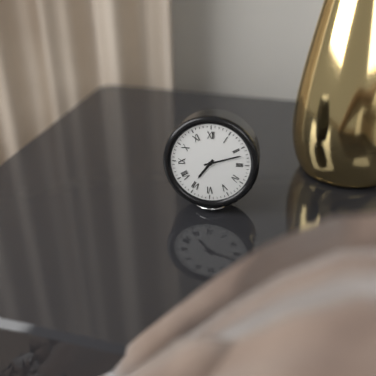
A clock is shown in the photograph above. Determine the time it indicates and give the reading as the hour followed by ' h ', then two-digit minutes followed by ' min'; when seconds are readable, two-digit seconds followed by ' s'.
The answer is 7 h 12 min
